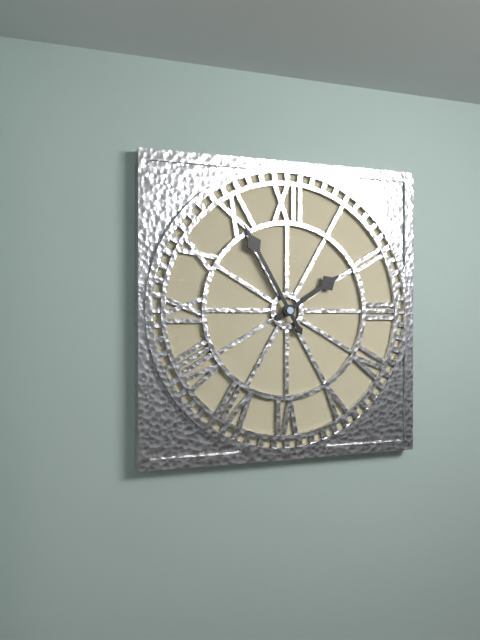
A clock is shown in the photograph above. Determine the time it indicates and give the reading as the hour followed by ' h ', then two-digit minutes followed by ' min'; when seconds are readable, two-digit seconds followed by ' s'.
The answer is 1 h 55 min
